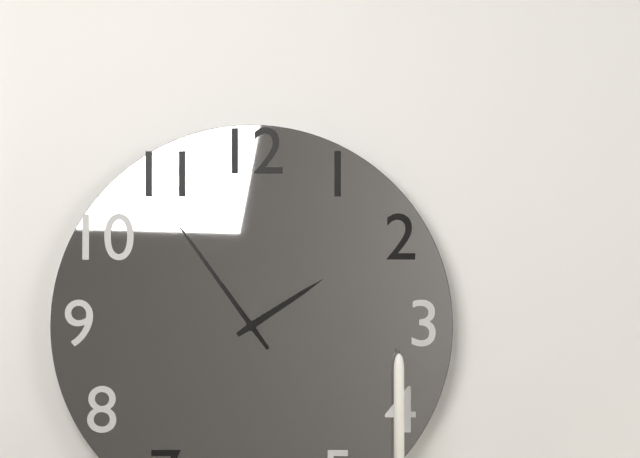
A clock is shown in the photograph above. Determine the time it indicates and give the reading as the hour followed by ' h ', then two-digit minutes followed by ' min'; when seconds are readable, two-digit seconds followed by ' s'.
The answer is 1 h 54 min
